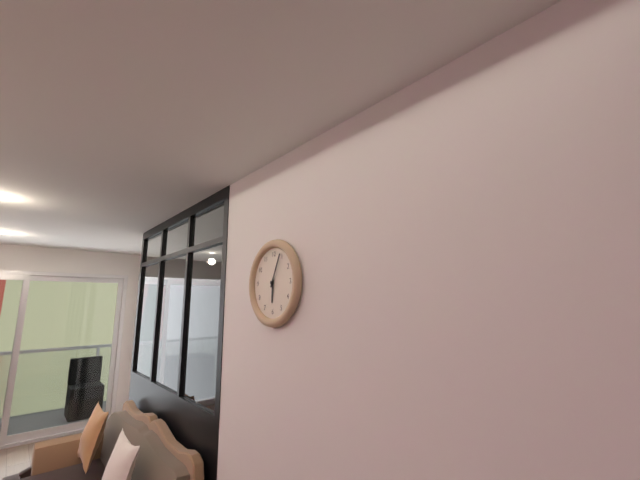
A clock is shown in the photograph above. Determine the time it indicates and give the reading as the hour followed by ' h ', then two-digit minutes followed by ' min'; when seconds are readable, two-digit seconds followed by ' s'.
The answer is 6 h 04 min
